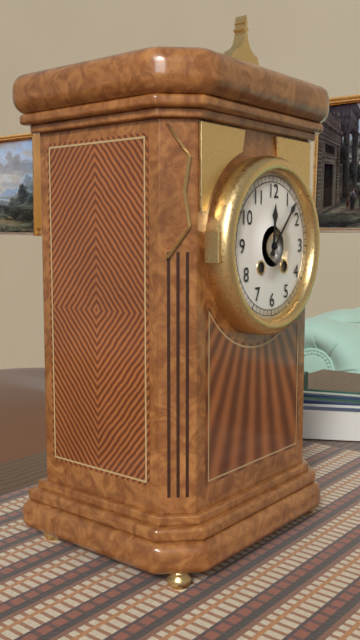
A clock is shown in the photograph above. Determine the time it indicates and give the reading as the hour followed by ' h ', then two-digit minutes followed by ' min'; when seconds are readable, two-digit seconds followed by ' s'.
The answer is 12 h 07 min
